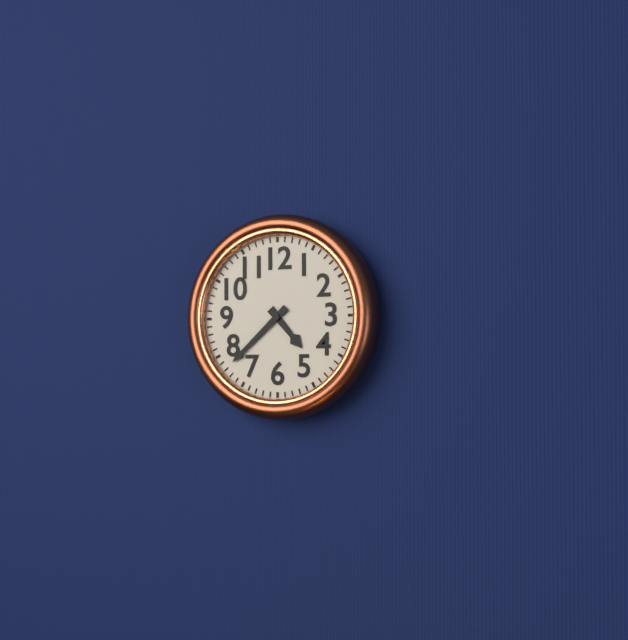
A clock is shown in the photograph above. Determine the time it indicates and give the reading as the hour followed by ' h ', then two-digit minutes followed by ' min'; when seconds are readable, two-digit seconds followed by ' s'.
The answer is 4 h 38 min
